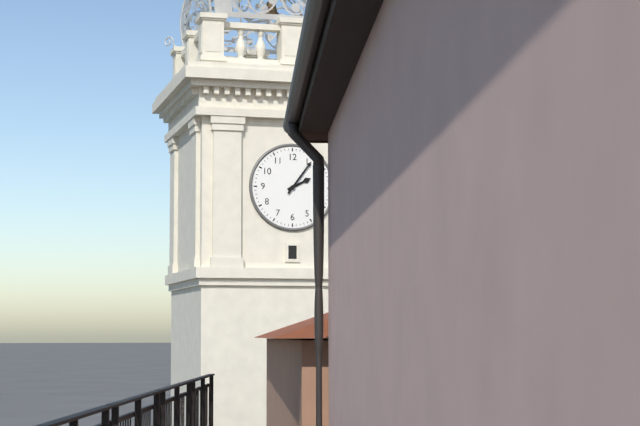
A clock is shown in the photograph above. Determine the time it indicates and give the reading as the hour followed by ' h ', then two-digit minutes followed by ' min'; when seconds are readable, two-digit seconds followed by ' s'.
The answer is 2 h 06 min
